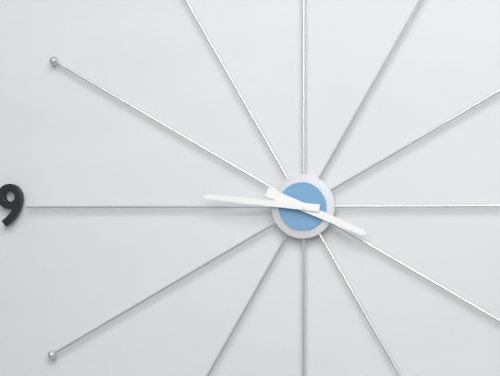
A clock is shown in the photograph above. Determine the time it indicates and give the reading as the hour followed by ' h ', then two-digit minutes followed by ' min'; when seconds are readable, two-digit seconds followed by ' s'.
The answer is 3 h 46 min
